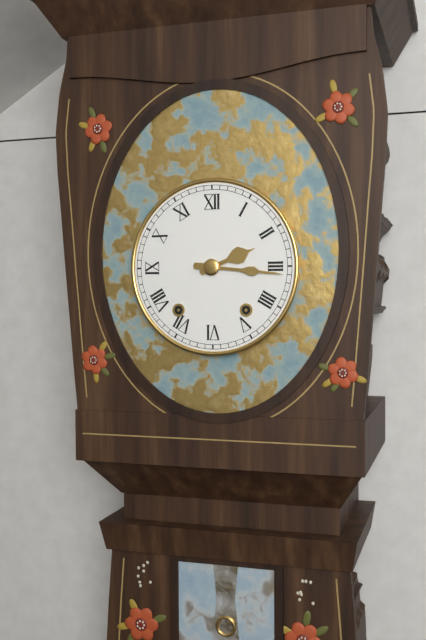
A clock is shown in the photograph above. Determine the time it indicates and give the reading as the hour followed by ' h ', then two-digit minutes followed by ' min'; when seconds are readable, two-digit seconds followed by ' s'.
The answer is 2 h 16 min
